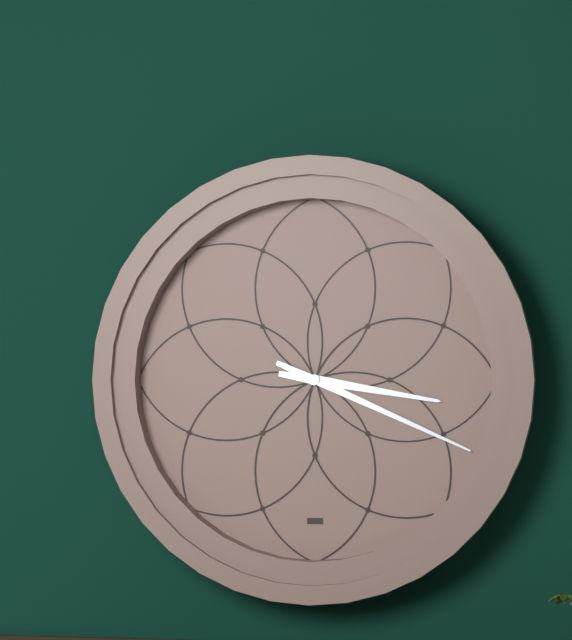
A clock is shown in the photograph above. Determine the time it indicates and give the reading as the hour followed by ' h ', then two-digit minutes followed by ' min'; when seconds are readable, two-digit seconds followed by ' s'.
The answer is 3 h 19 min
